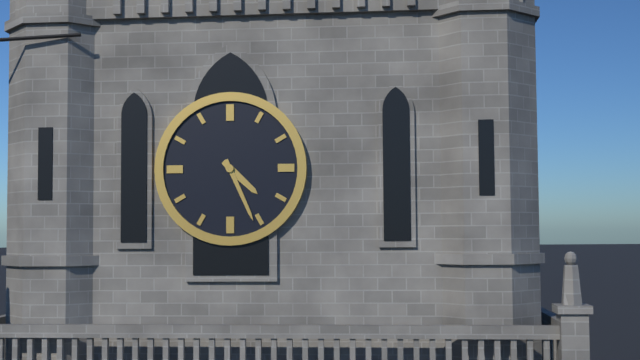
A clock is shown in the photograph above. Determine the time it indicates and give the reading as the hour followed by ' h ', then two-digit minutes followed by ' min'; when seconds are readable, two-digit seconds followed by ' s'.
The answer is 4 h 26 min
